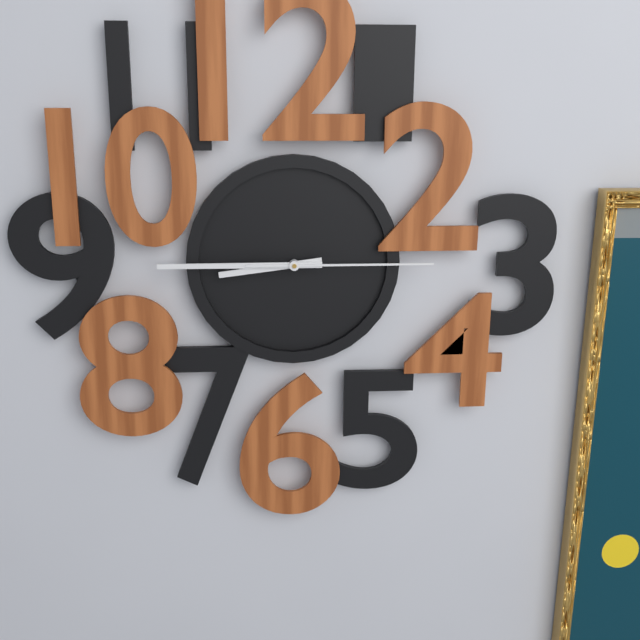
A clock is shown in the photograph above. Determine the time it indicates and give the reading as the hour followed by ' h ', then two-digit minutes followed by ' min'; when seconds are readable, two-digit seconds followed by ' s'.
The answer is 8 h 45 min 15 s
